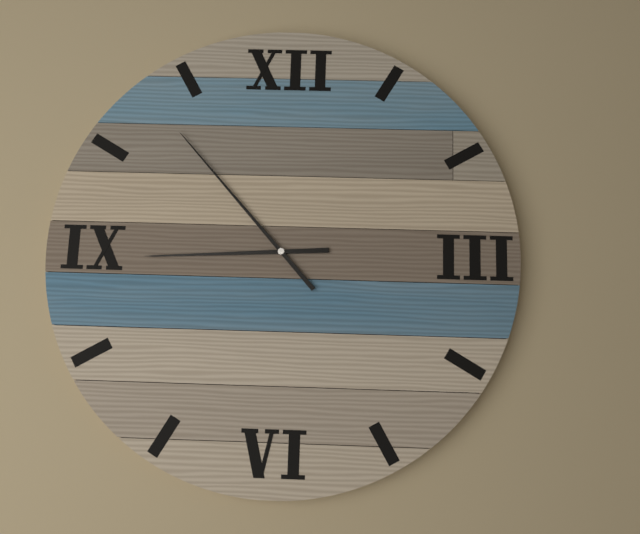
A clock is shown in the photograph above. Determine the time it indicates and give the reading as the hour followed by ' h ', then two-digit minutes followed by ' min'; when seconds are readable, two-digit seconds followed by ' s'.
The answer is 8 h 53 min
